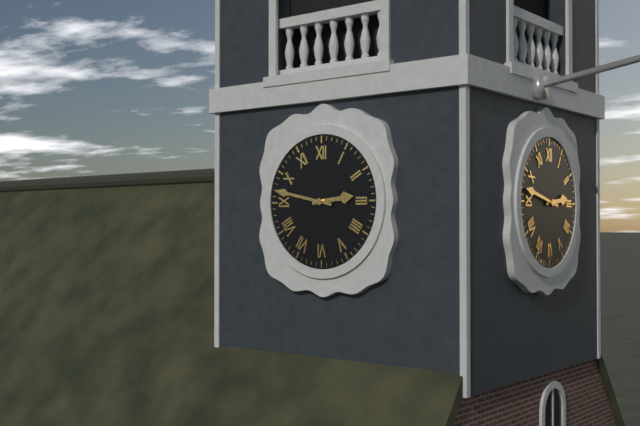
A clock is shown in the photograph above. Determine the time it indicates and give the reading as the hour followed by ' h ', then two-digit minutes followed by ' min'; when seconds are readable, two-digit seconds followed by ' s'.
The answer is 2 h 47 min
